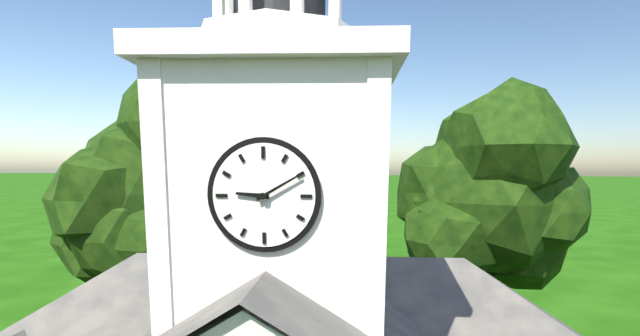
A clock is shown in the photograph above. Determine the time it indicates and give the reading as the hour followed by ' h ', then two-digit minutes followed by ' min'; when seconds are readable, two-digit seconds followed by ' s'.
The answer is 9 h 10 min
